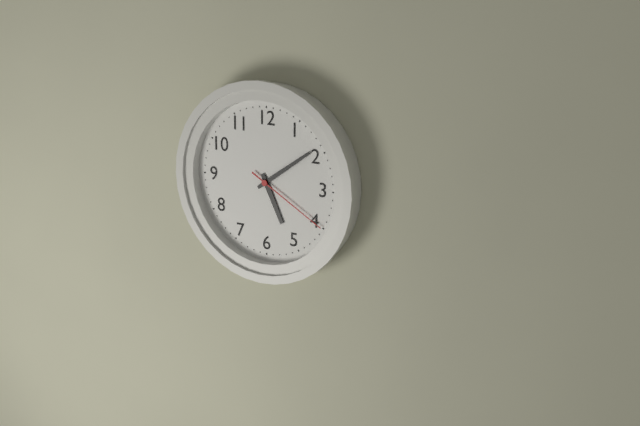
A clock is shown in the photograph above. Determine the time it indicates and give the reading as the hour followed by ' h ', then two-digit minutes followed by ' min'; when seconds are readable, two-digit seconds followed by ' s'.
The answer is 5 h 09 min 20 s
